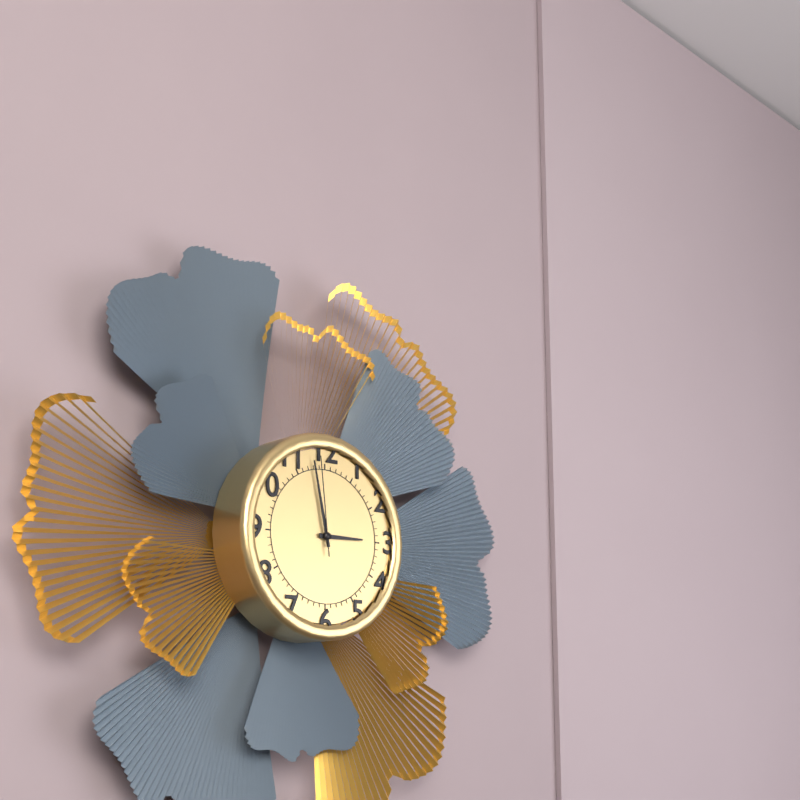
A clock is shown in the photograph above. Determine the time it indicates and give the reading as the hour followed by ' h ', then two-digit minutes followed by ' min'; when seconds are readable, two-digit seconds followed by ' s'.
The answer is 2 h 58 min 59 s
